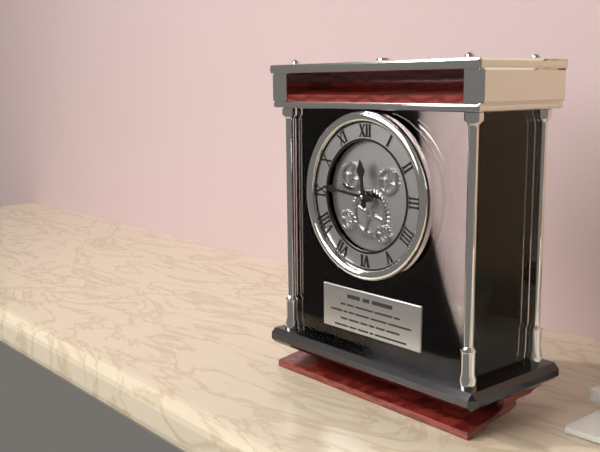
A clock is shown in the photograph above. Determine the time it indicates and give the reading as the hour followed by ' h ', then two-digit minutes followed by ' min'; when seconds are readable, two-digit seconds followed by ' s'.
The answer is 11 h 46 min
